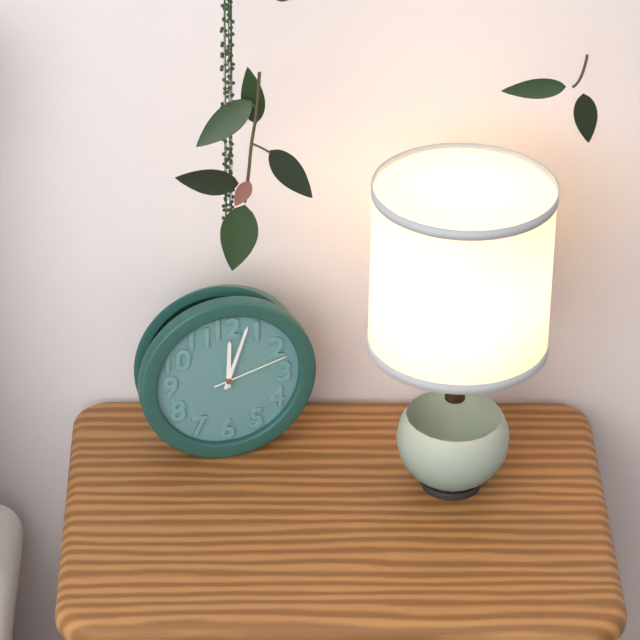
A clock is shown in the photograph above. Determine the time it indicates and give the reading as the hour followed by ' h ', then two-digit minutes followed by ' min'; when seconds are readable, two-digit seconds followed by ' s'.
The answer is 12 h 03 min 12 s
